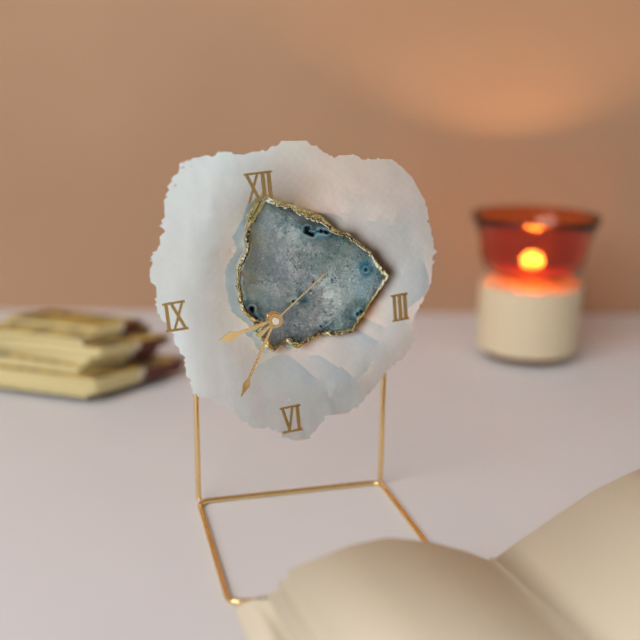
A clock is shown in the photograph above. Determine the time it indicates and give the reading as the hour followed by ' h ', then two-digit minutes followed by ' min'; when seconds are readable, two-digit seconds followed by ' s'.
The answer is 8 h 35 min 09 s
